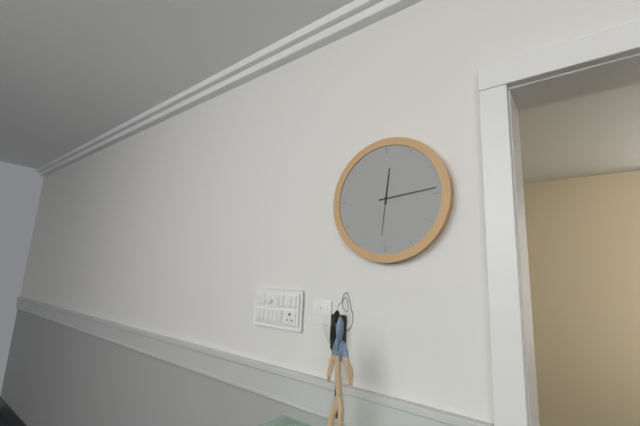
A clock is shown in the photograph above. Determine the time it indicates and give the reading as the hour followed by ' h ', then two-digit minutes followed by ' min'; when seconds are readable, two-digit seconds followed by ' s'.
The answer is 12 h 14 min
